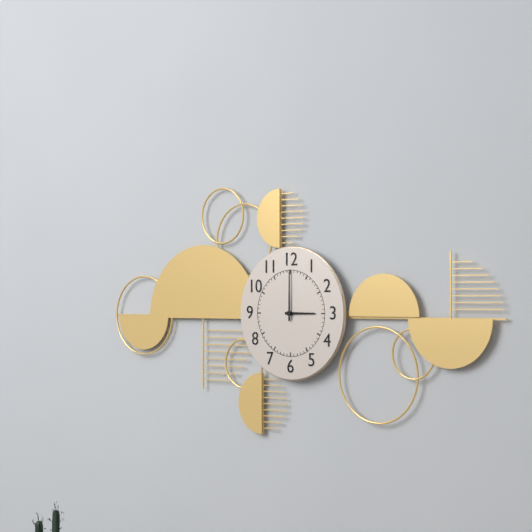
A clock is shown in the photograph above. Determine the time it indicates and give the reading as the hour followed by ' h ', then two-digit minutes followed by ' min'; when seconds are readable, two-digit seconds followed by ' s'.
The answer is 3 h 00 min
